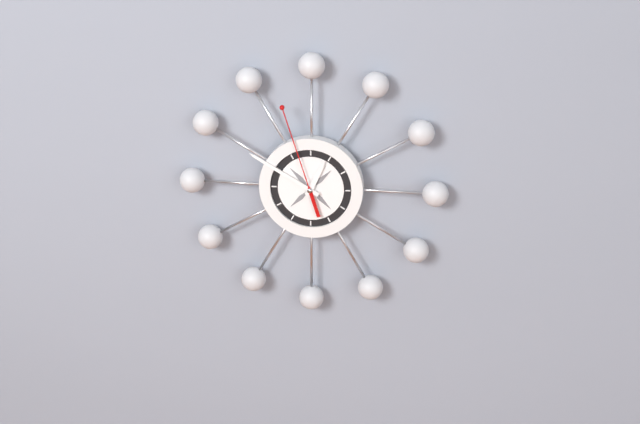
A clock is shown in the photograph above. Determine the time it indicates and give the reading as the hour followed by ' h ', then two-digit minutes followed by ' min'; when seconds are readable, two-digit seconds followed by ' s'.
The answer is 12 h 50 min 57 s
